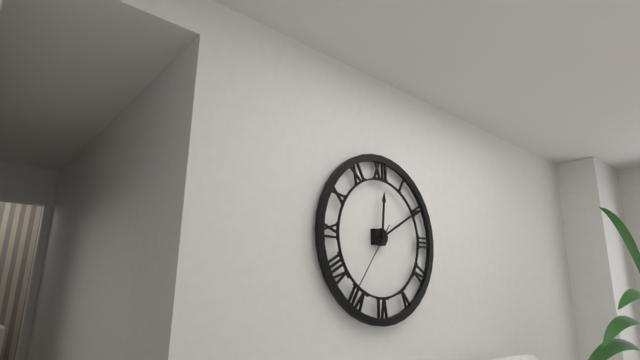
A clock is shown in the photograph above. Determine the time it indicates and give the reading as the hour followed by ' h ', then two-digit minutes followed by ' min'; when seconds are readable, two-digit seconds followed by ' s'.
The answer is 12 h 10 min 36 s
